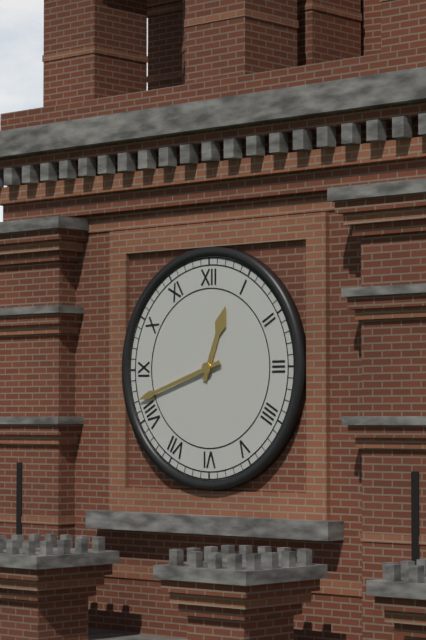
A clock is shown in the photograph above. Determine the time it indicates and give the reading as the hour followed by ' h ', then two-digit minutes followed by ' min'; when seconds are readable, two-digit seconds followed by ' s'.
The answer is 12 h 42 min
